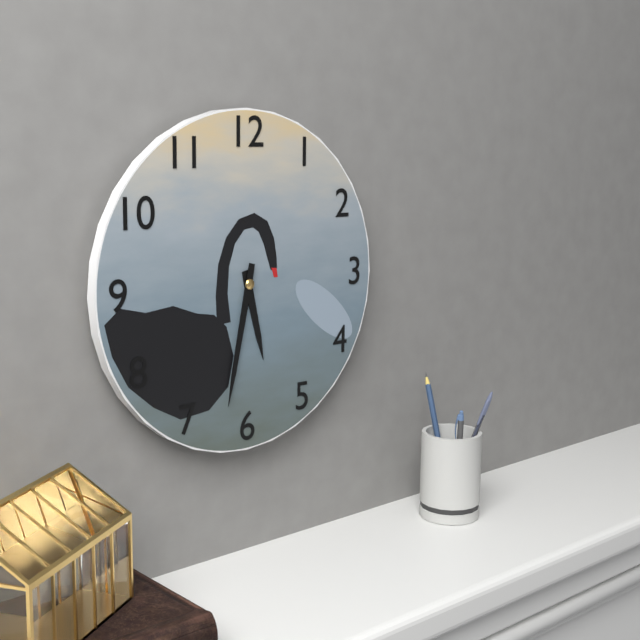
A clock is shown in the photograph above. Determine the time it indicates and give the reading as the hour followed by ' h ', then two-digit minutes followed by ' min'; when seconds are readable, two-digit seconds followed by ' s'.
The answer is 5 h 32 min
